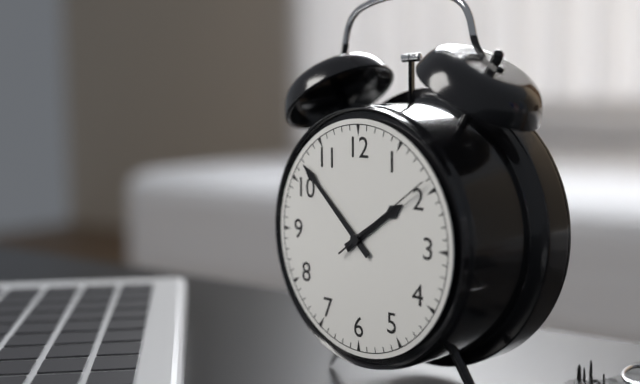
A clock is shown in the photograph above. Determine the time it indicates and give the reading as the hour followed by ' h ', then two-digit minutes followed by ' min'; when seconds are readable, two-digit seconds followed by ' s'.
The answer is 1 h 52 min 09 s
